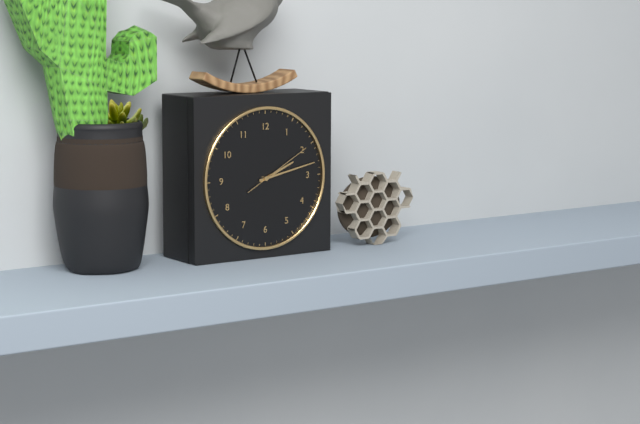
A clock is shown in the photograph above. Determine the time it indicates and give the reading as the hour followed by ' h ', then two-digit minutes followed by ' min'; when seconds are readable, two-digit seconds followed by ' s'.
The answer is 2 h 13 min 10 s
